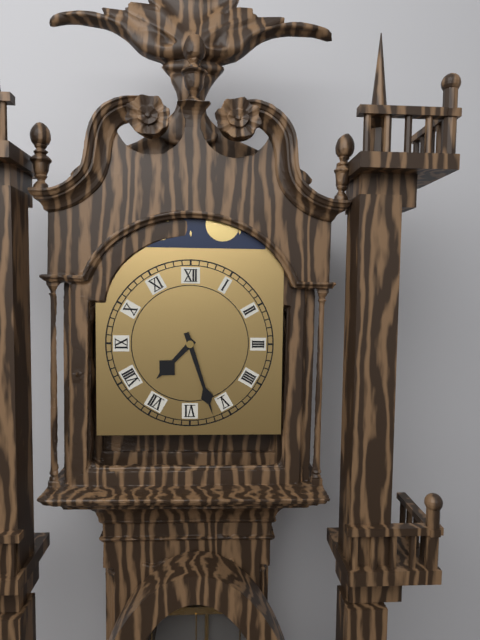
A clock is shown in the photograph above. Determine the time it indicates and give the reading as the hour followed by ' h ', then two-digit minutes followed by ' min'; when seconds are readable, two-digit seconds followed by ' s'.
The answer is 7 h 27 min
